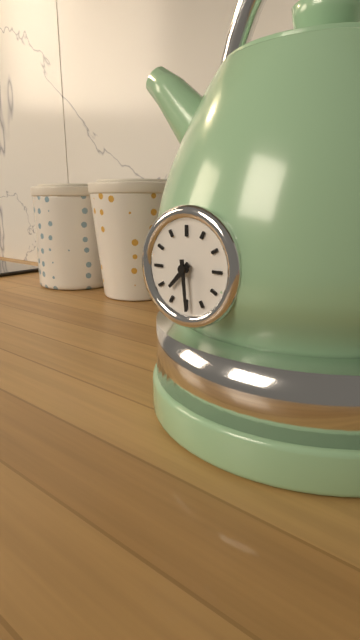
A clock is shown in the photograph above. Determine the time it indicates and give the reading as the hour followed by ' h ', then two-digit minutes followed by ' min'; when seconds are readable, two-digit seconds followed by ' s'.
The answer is 7 h 29 min
